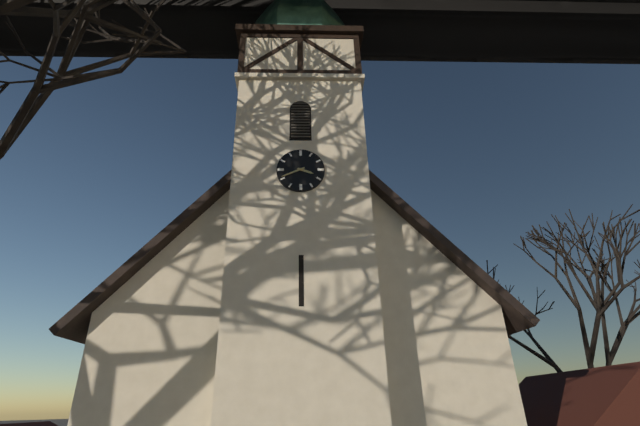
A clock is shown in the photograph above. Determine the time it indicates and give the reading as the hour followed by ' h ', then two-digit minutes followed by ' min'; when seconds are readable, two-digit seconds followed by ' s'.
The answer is 3 h 41 min
